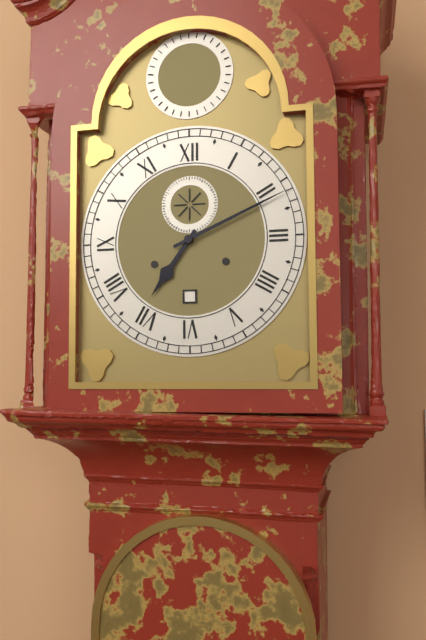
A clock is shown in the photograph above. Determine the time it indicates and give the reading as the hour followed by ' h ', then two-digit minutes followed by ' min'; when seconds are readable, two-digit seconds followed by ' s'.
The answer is 7 h 11 min
